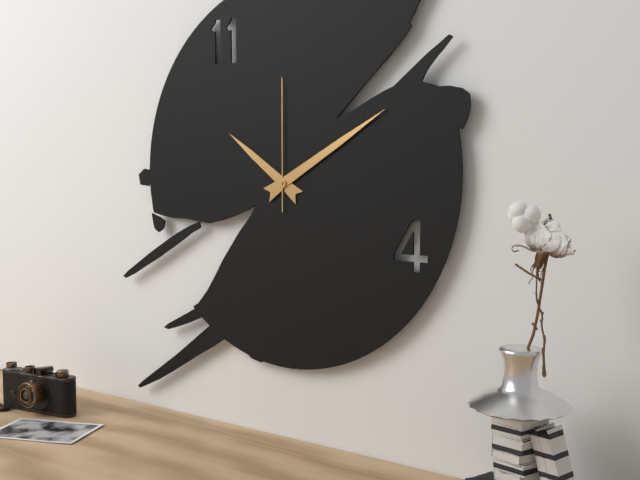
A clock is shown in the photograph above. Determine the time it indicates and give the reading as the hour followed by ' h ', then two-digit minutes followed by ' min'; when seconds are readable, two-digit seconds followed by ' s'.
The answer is 10 h 10 min 00 s
